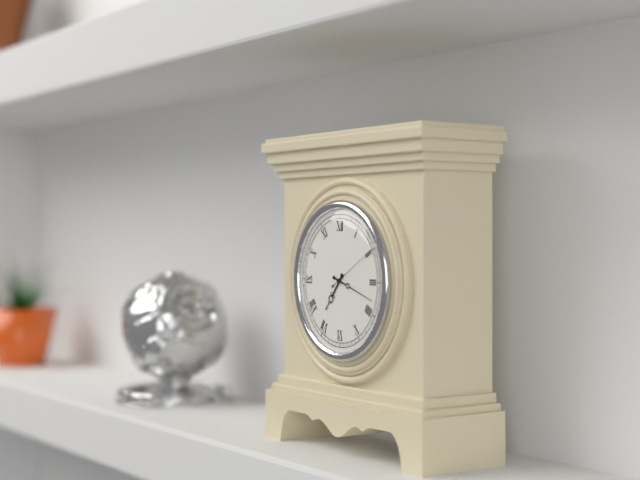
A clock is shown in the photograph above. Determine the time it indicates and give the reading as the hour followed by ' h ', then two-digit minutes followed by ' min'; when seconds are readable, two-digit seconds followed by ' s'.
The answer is 7 h 18 min 10 s
